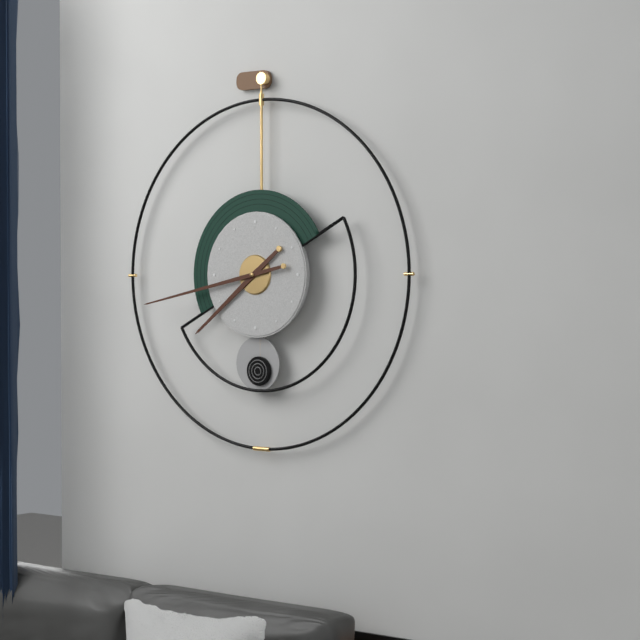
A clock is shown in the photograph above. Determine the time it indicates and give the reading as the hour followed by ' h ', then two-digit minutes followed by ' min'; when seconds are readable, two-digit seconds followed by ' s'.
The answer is 7 h 43 min
